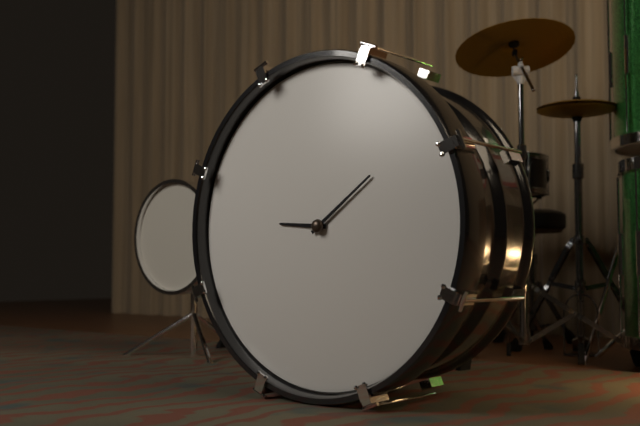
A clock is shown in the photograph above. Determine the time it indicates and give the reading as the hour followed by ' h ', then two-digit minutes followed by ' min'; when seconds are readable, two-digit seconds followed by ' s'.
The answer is 9 h 09 min
